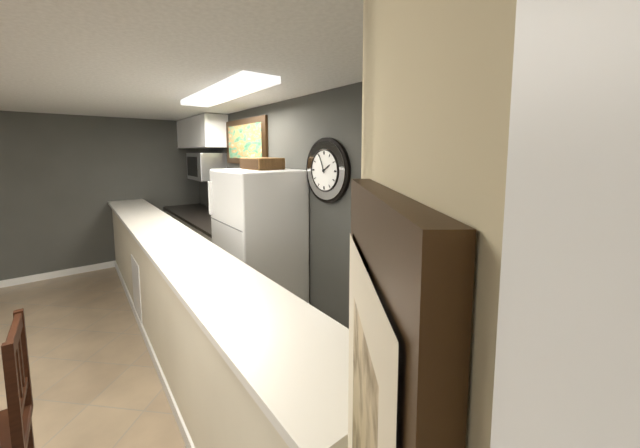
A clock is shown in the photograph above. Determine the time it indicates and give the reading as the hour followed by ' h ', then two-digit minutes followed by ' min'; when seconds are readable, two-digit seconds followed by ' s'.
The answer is 1 h 56 min
